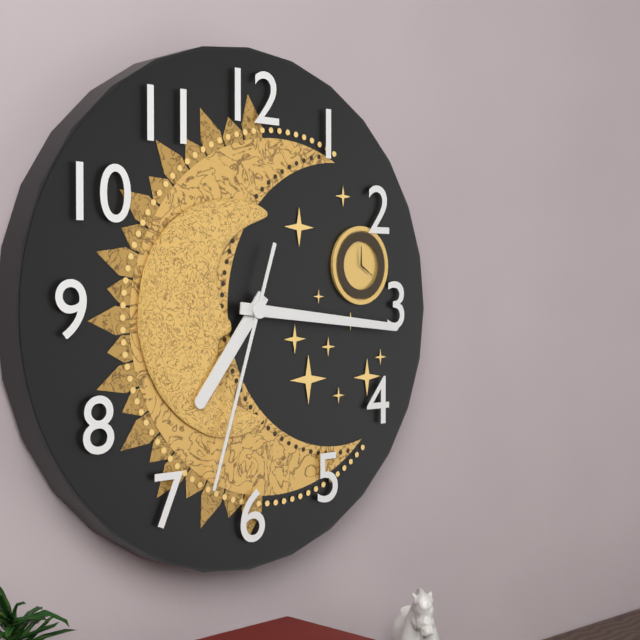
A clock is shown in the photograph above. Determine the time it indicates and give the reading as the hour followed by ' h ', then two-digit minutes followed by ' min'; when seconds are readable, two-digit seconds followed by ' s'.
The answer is 7 h 16 min 33 s
